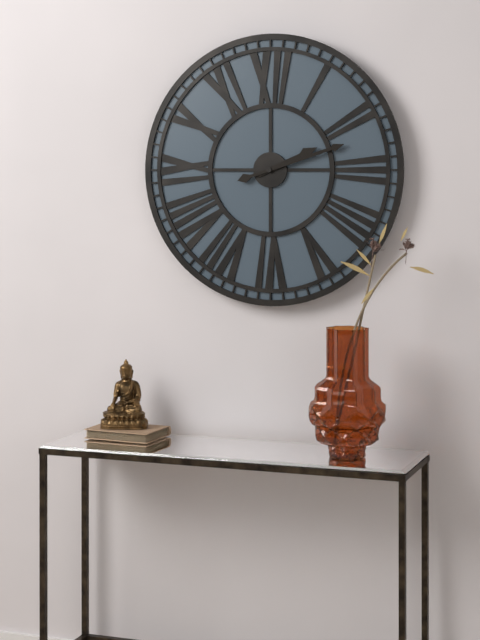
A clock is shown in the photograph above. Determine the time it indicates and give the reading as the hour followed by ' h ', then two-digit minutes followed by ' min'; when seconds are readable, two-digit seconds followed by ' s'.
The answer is 2 h 12 min
